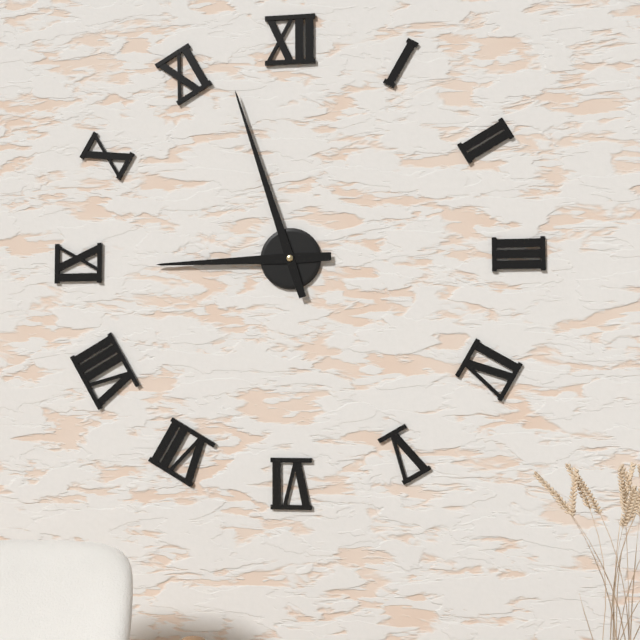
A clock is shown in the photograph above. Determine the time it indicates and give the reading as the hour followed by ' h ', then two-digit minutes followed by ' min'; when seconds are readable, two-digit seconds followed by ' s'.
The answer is 8 h 57 min
